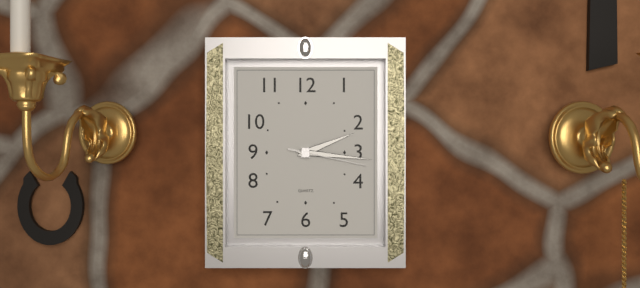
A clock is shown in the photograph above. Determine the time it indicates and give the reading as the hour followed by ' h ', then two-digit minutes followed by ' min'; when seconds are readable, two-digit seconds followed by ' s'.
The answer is 2 h 16 min 17 s
